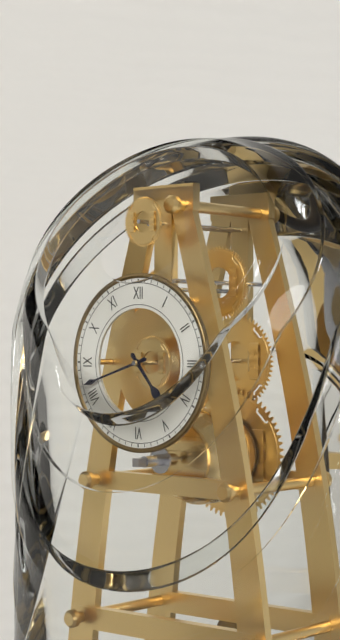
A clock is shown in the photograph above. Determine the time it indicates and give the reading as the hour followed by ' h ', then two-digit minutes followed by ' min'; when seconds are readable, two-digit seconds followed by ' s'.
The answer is 4 h 42 min
